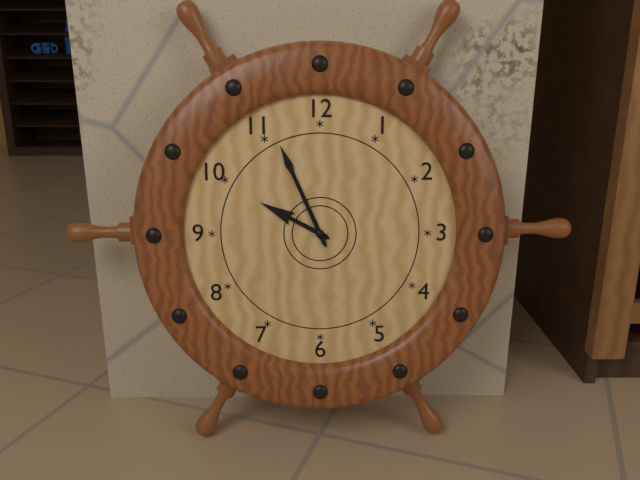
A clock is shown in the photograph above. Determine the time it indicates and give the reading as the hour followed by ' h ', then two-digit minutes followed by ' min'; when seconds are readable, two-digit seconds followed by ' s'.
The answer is 9 h 56 min
